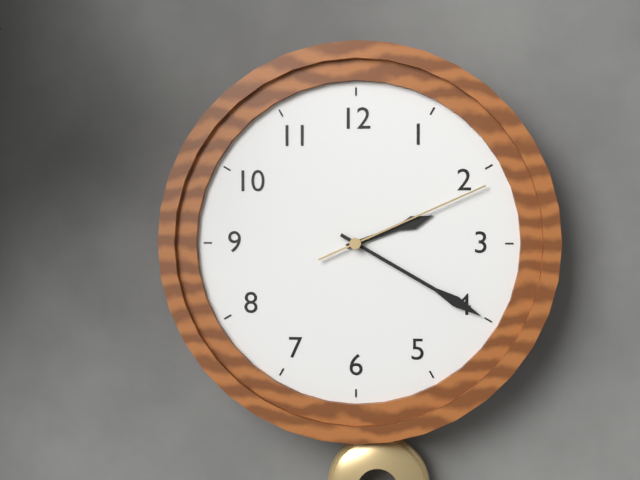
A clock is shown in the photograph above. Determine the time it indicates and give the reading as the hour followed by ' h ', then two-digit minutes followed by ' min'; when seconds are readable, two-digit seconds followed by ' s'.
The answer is 2 h 20 min 11 s
